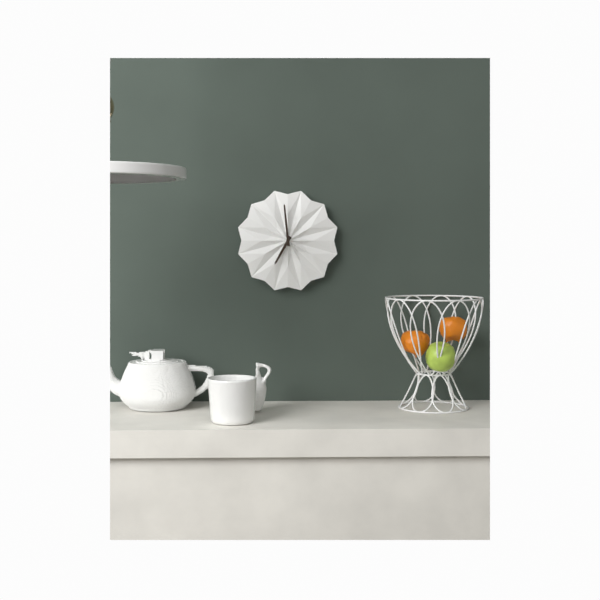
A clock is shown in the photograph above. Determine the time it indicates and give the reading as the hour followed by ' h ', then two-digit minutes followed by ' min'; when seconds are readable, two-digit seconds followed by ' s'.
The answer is 6 h 59 min
